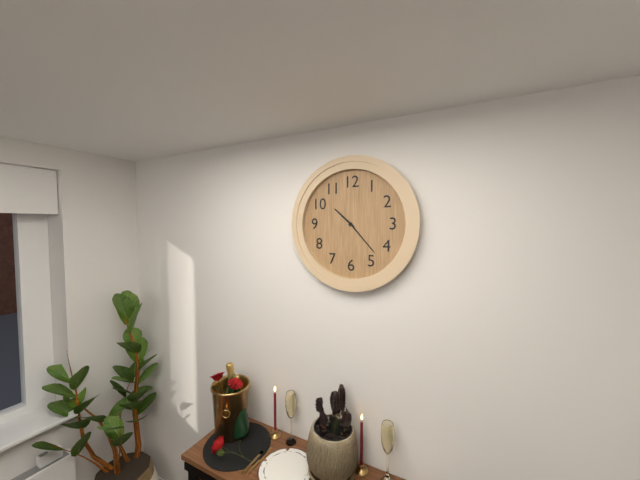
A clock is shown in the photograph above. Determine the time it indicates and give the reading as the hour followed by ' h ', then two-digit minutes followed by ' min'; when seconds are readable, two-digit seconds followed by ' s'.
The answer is 10 h 23 min
